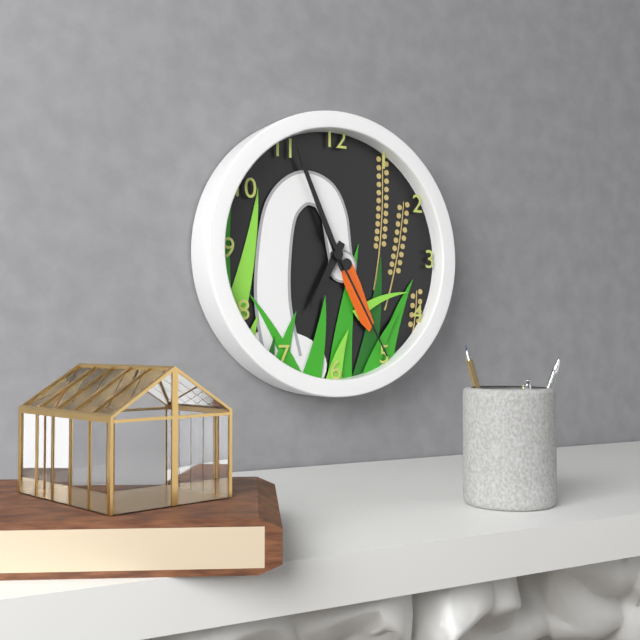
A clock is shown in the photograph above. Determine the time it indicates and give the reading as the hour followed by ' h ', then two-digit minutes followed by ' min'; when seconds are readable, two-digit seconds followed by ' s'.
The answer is 6 h 56 min 25 s
